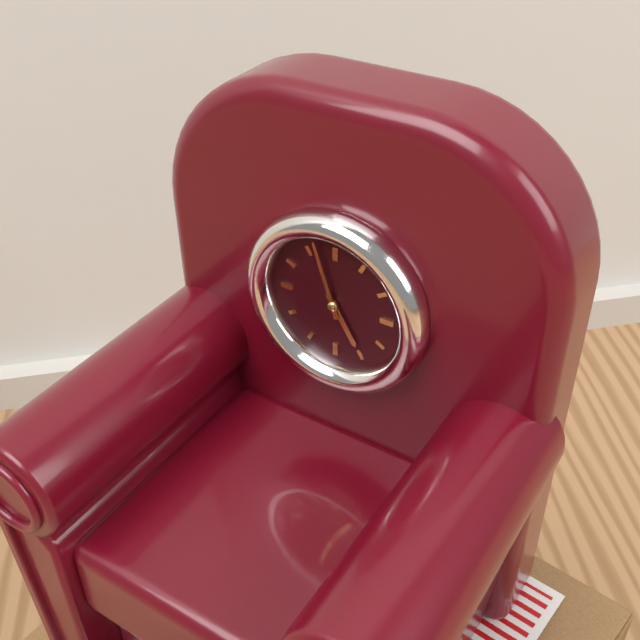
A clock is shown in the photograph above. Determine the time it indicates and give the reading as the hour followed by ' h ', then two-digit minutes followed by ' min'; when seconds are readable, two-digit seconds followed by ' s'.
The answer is 4 h 57 min
